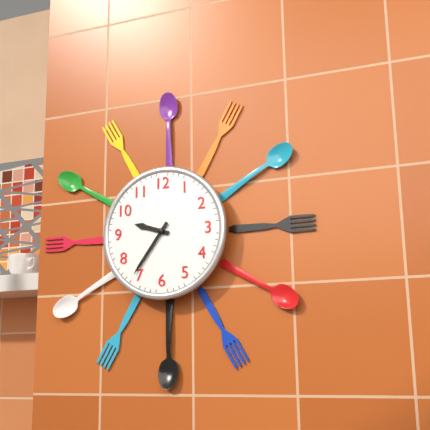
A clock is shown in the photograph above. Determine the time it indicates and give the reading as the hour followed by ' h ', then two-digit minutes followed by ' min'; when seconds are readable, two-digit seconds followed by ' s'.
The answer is 9 h 36 min
